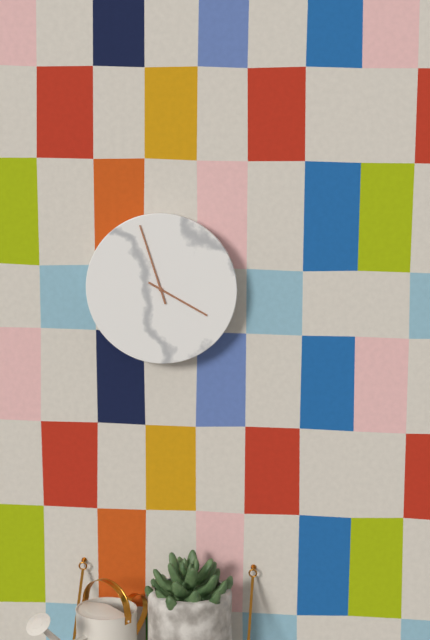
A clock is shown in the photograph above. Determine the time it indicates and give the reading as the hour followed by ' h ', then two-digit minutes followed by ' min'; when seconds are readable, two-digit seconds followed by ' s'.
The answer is 3 h 57 min
